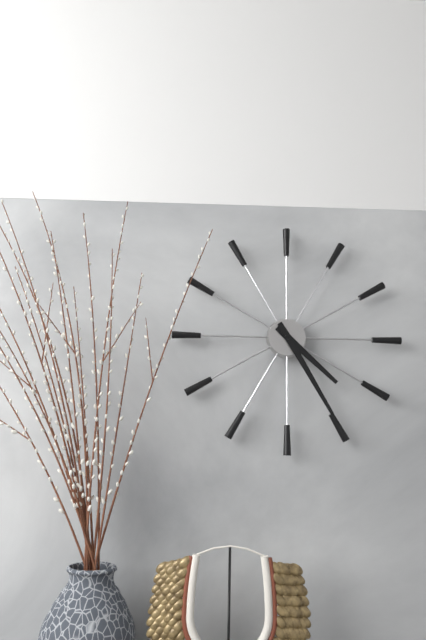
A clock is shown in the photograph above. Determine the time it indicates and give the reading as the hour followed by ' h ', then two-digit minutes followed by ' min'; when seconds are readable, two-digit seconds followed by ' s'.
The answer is 4 h 25 min
